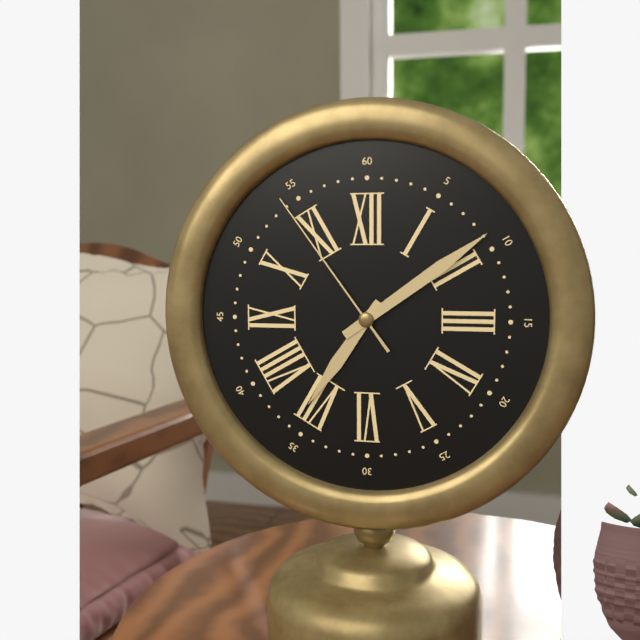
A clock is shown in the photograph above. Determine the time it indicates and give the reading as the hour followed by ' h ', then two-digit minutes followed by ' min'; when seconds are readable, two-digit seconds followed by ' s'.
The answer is 7 h 09 min 54 s
